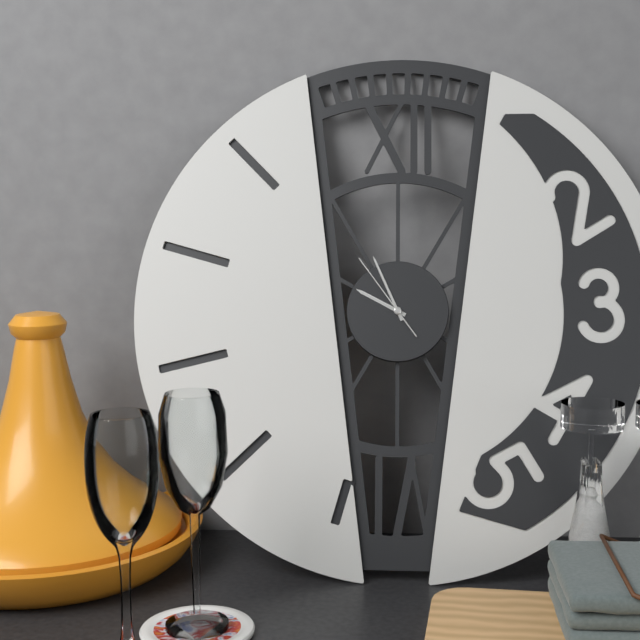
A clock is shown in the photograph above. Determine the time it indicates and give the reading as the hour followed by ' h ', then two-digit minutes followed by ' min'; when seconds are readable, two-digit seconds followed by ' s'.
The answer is 9 h 56 min 54 s
